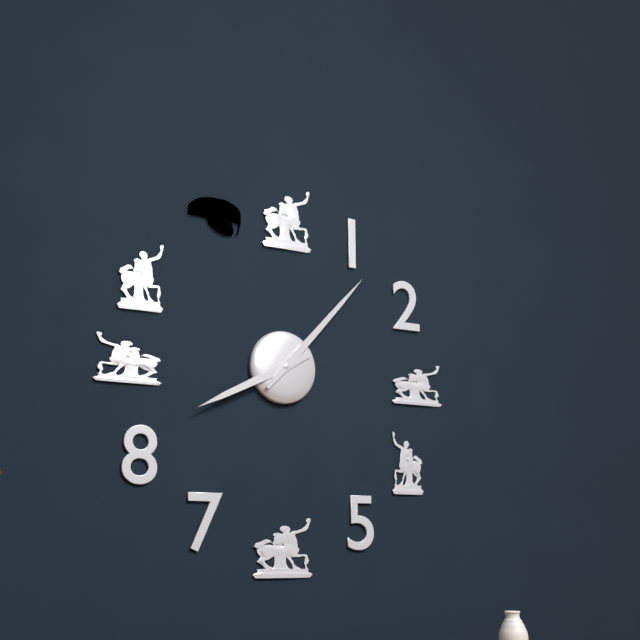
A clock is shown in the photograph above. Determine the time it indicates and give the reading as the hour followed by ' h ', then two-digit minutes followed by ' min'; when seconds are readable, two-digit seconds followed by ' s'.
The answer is 8 h 07 min
